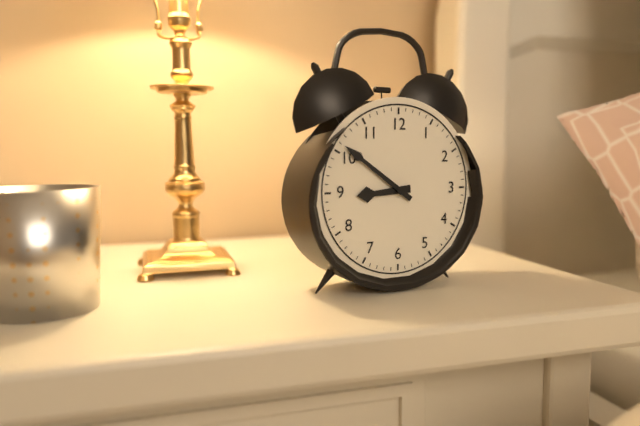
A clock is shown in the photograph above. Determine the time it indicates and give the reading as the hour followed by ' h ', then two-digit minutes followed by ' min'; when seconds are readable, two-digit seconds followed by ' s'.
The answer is 8 h 51 min
